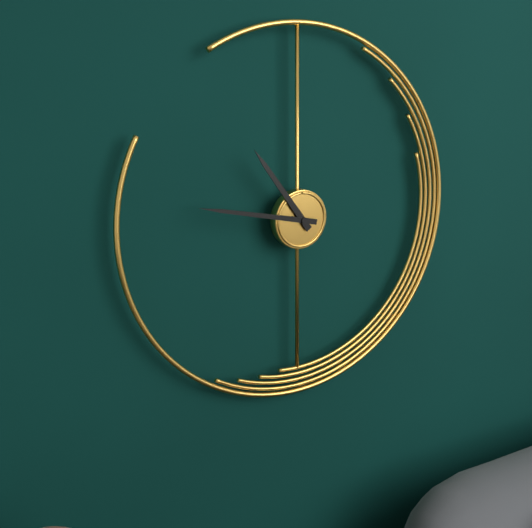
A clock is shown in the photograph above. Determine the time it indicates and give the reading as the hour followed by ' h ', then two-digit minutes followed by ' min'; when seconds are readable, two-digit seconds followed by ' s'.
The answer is 10 h 47 min
